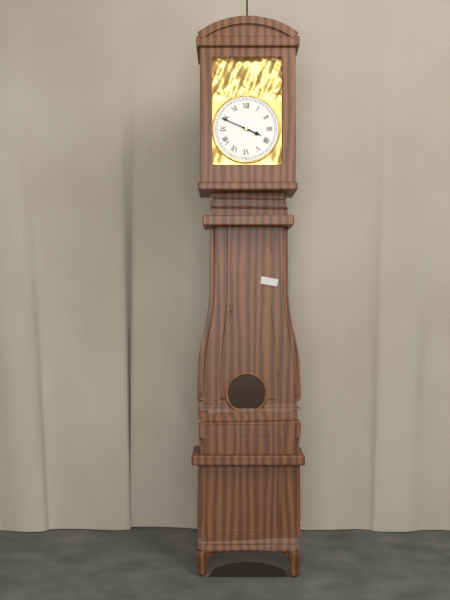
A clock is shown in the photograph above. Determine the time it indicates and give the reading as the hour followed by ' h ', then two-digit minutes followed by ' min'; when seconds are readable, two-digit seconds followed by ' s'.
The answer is 3 h 49 min
